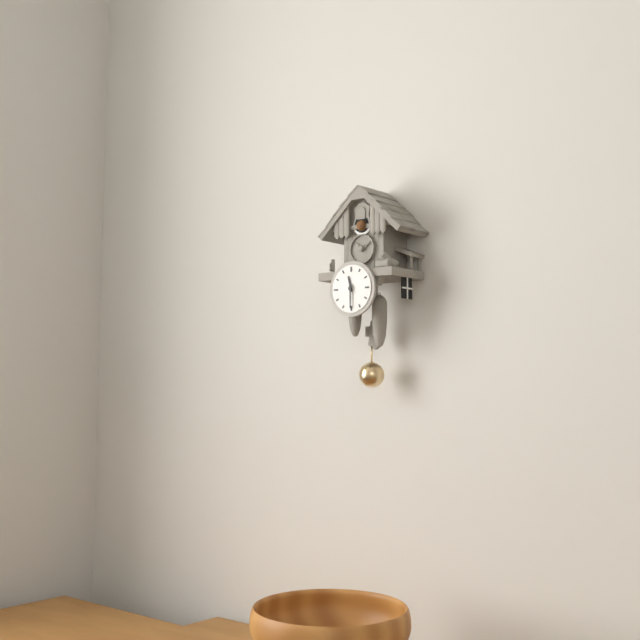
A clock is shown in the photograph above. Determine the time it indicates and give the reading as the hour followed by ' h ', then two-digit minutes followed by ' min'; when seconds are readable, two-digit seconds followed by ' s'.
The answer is 11 h 30 min
